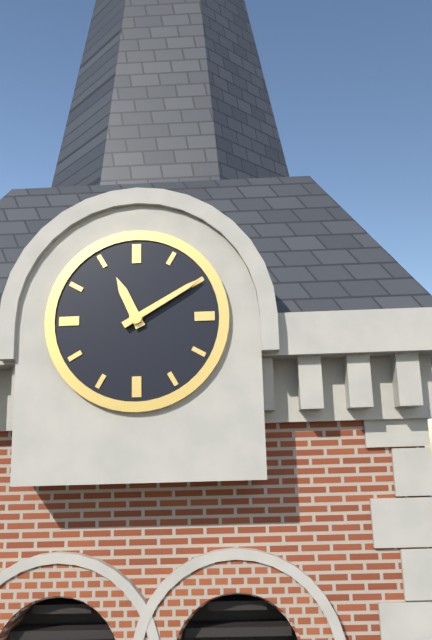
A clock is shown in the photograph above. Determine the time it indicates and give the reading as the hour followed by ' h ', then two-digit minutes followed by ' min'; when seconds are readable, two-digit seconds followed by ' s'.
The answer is 11 h 10 min
